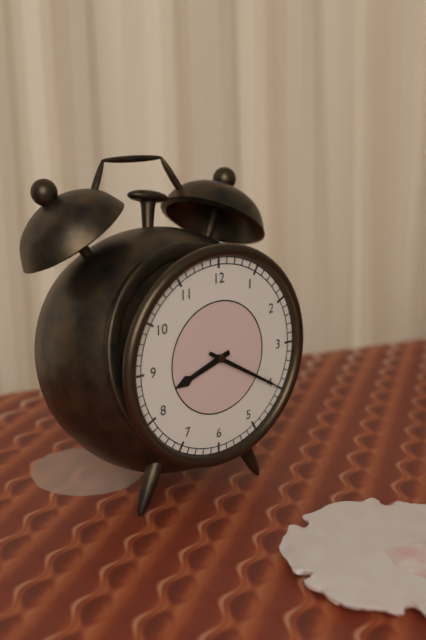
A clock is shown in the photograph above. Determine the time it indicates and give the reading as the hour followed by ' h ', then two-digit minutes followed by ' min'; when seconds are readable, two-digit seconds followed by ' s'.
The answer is 8 h 20 min
